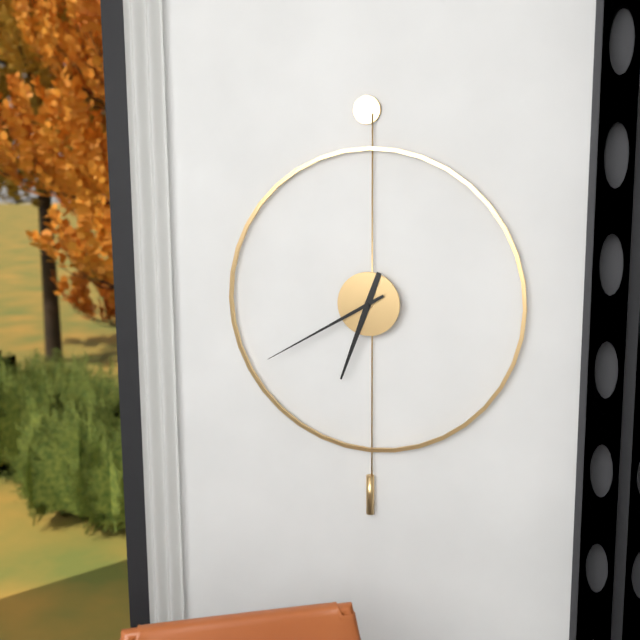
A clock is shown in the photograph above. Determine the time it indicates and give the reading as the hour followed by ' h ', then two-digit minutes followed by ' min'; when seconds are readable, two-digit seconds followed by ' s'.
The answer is 6 h 40 min
